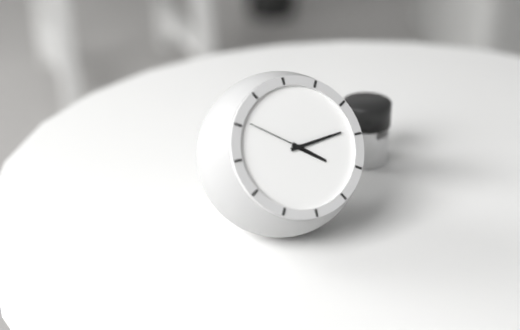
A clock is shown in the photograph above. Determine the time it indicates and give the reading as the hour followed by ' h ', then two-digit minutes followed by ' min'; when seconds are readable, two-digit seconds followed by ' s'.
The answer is 4 h 14 min 51 s
